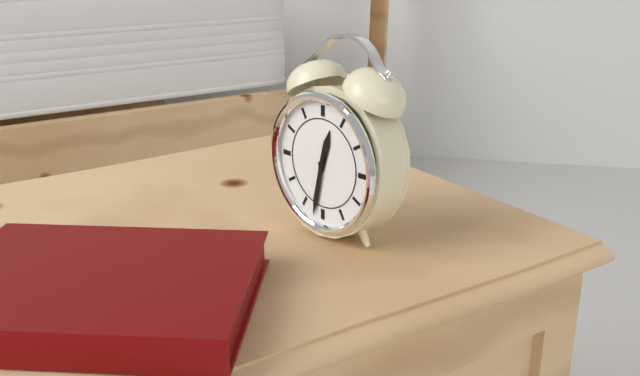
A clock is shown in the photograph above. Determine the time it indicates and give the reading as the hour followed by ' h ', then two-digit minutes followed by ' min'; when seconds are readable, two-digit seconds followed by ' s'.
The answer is 12 h 32 min
